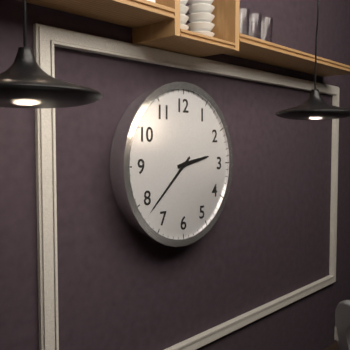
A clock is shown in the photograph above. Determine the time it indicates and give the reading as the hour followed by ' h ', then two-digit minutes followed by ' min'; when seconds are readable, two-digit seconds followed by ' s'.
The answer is 2 h 38 min
